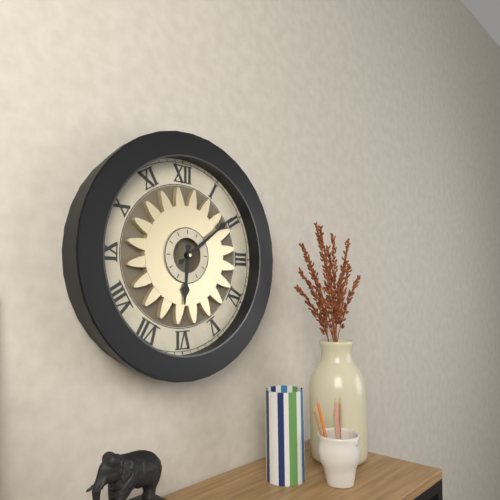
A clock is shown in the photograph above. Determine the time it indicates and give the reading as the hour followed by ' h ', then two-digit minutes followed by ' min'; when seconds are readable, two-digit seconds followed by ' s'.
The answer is 6 h 09 min
